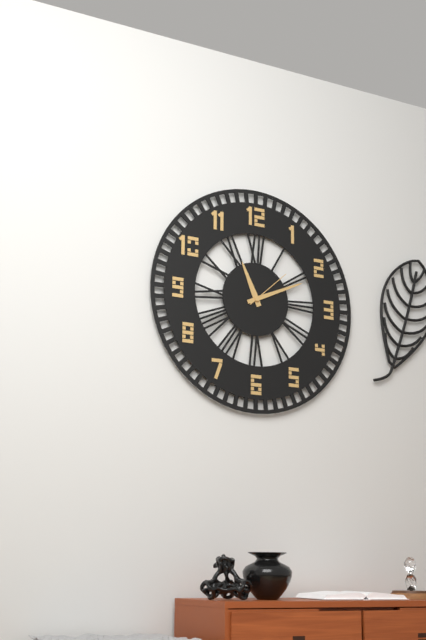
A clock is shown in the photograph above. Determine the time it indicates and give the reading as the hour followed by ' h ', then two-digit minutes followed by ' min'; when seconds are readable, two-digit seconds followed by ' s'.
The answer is 11 h 11 min
